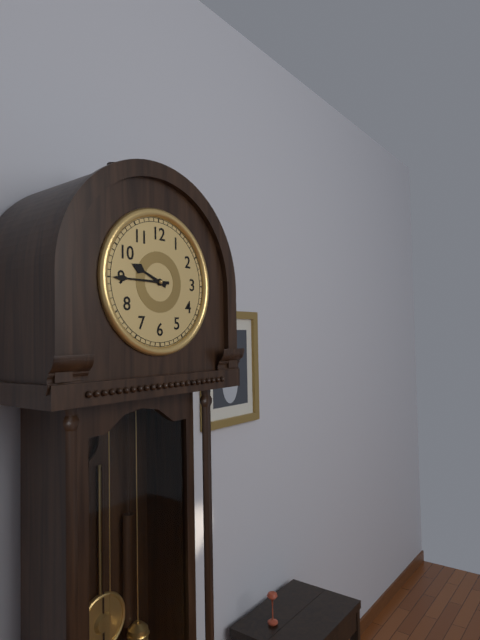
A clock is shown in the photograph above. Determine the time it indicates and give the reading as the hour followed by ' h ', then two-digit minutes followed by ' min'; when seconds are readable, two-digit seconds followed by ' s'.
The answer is 9 h 45 min
